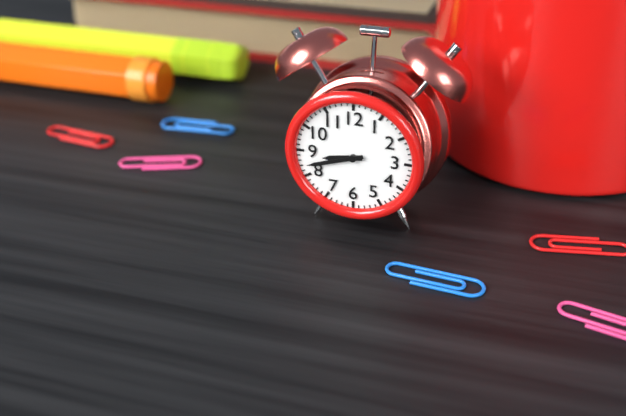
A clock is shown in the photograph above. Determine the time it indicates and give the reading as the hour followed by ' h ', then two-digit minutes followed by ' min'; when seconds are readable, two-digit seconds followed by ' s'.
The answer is 8 h 42 min
